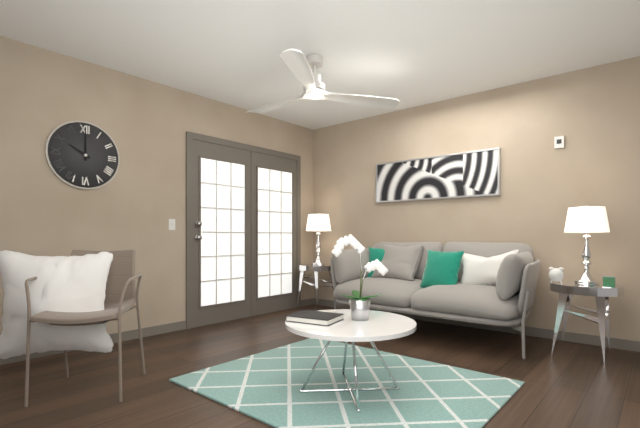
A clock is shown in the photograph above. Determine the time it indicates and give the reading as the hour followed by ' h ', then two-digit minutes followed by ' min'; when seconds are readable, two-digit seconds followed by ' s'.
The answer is 10 h 00 min
